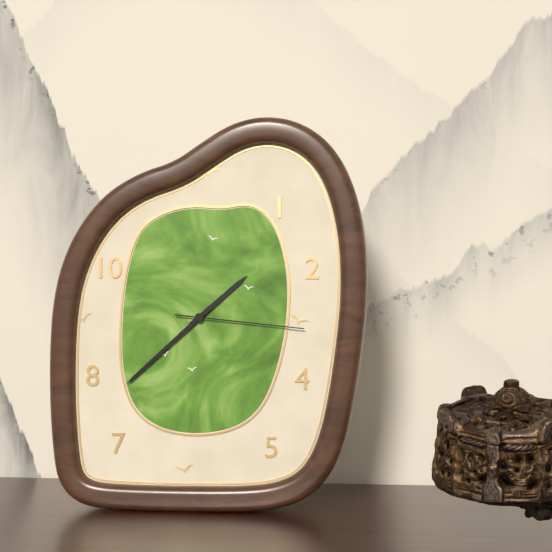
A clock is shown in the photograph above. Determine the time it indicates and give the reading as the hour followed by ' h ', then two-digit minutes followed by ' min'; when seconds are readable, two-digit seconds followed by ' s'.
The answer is 1 h 38 min 16 s
